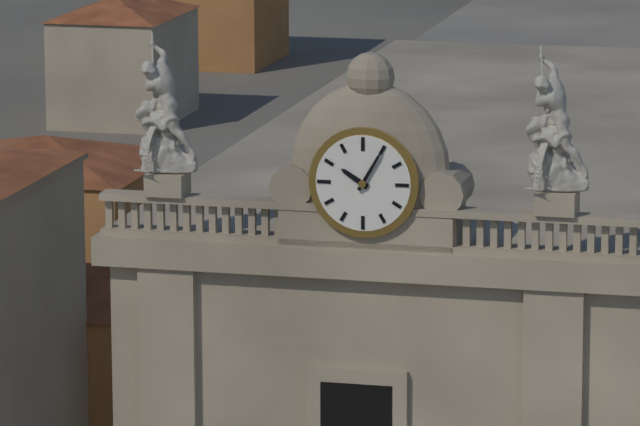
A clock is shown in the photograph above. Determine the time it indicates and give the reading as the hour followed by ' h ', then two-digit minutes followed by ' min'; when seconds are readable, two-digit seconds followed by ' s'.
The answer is 10 h 05 min
